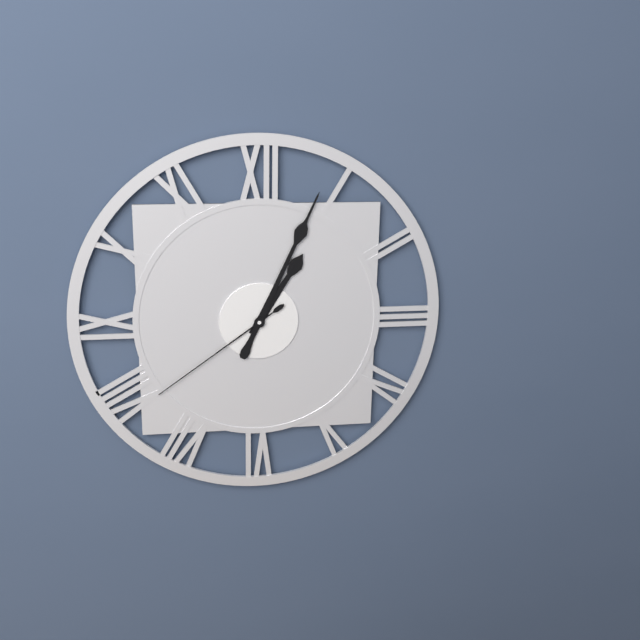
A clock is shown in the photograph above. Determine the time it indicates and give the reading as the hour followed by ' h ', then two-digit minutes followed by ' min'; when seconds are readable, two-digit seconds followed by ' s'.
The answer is 1 h 04 min 39 s
